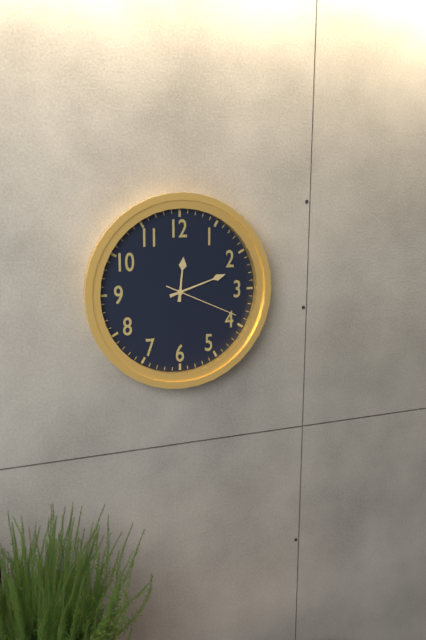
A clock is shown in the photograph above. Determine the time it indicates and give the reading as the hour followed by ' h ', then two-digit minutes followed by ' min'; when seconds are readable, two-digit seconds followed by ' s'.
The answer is 12 h 12 min 19 s
